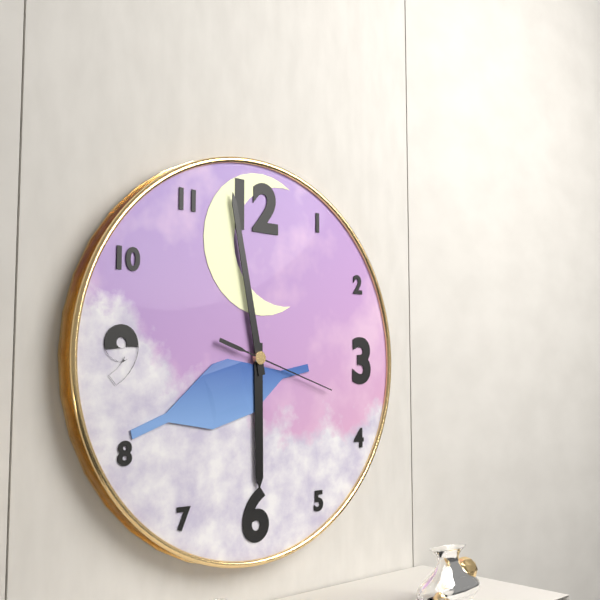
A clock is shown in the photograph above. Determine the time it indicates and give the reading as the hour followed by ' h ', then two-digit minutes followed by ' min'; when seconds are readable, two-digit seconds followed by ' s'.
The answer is 5 h 58 min 18 s
